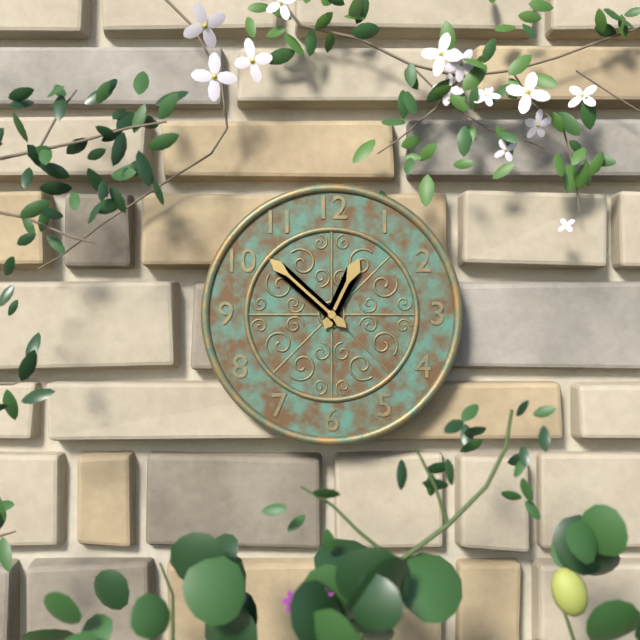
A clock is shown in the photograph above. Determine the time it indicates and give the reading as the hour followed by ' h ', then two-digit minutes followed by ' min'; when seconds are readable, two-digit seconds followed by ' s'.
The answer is 12 h 52 min
